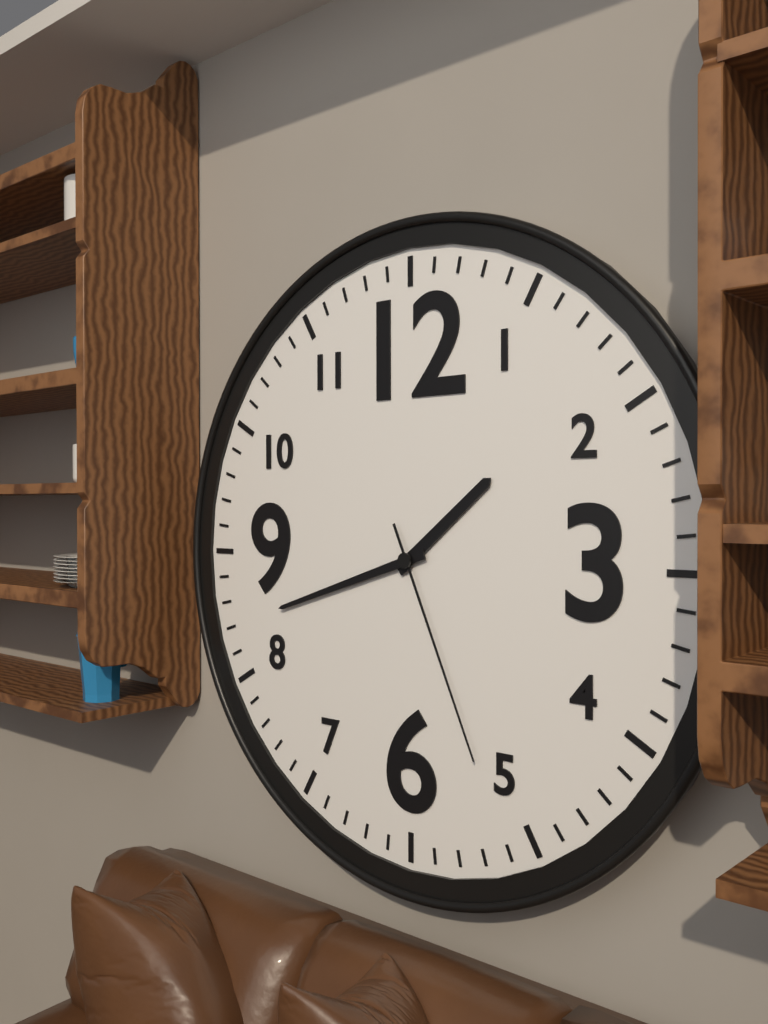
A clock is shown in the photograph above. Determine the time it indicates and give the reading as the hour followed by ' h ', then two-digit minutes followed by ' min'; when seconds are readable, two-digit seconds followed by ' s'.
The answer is 1 h 42 min 26 s
